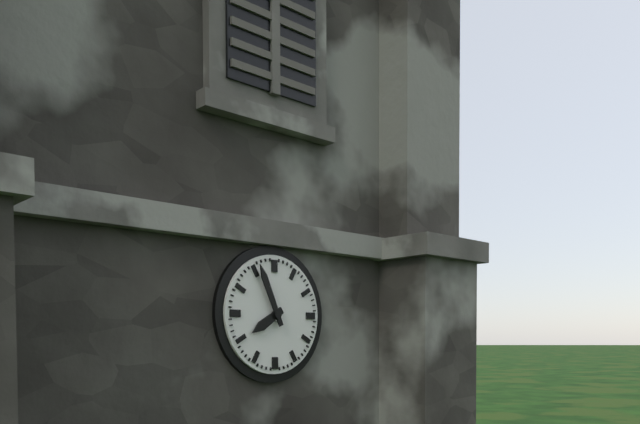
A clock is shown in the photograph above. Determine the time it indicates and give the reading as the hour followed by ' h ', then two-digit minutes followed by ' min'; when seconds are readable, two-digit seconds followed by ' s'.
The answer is 7 h 56 min
